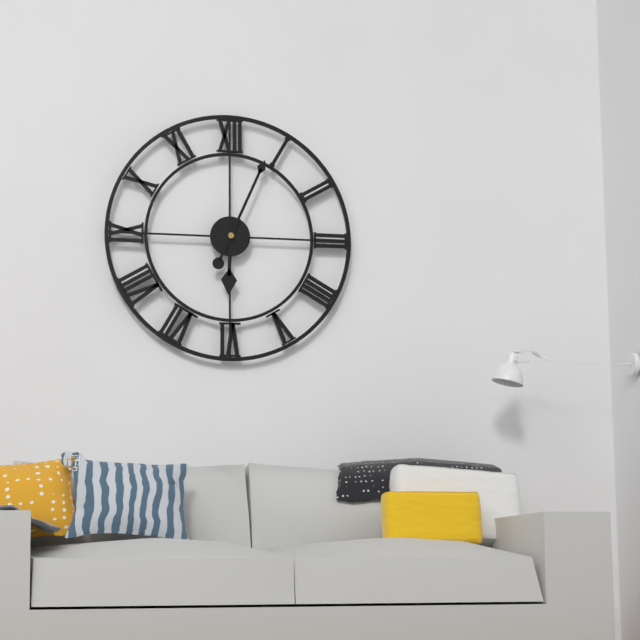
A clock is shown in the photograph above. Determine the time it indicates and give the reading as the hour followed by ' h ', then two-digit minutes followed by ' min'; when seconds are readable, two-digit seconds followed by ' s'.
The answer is 6 h 04 min
